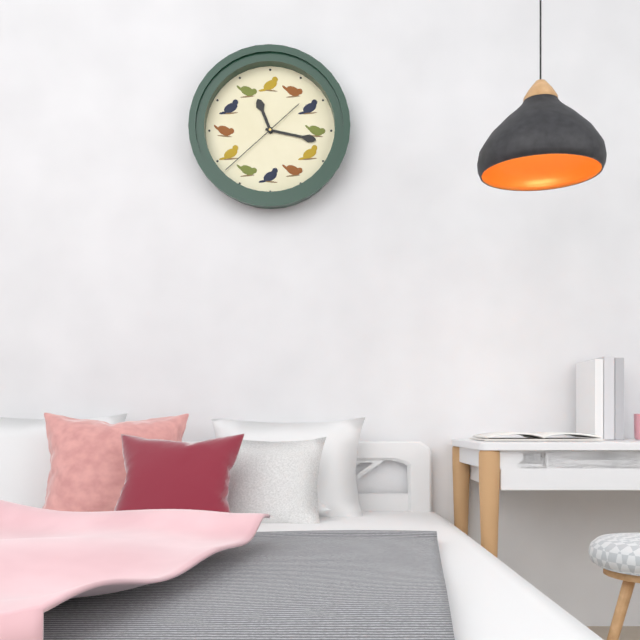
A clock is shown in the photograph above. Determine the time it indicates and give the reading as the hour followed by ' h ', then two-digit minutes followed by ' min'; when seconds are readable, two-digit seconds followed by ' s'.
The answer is 11 h 17 min 38 s
